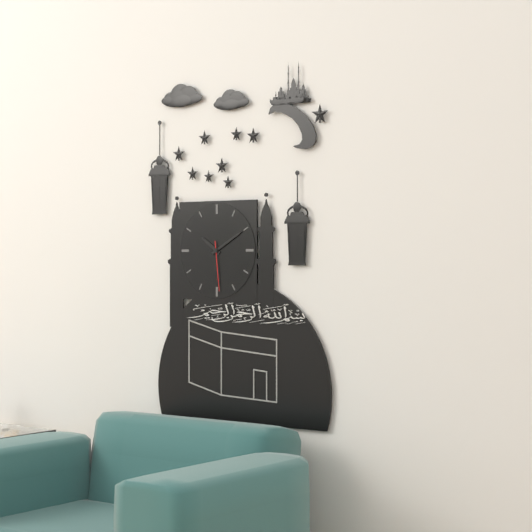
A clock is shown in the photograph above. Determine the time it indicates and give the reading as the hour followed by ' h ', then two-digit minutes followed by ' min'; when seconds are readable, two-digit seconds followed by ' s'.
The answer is 10 h 10 min 29 s
